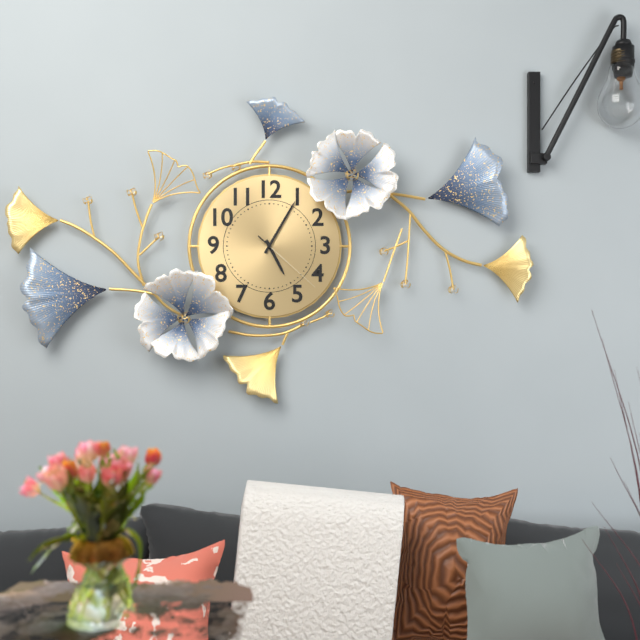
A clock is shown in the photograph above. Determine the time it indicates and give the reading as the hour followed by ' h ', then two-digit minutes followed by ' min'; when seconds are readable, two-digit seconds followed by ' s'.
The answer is 5 h 05 min 22 s
